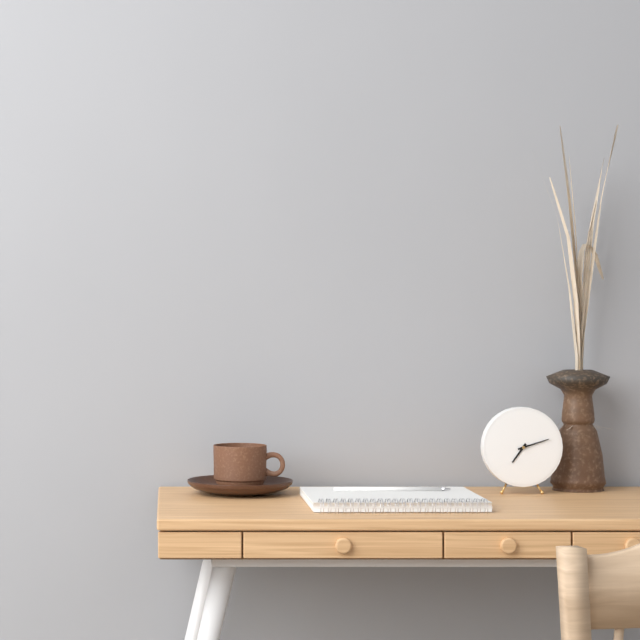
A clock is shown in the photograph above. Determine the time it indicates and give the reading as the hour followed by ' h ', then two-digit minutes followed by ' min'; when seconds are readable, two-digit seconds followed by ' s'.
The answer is 7 h 12 min
